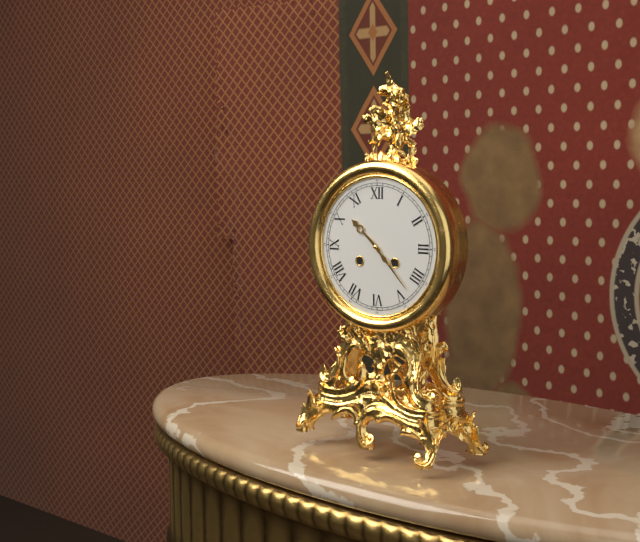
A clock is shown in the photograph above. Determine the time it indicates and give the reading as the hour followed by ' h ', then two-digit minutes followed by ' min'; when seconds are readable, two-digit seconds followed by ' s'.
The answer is 10 h 23 min
